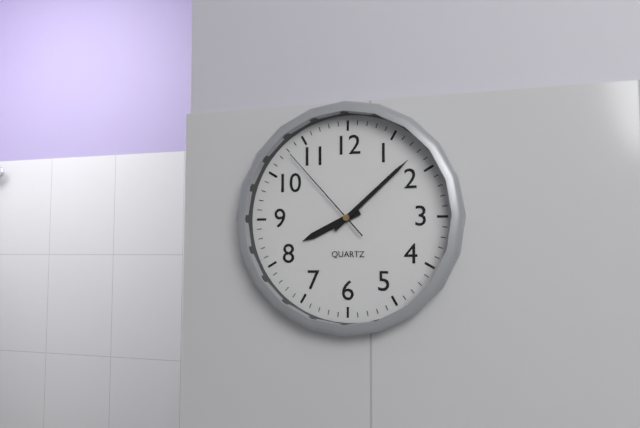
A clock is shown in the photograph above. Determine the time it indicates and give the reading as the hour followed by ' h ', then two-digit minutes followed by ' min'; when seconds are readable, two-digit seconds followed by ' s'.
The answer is 8 h 08 min 53 s
